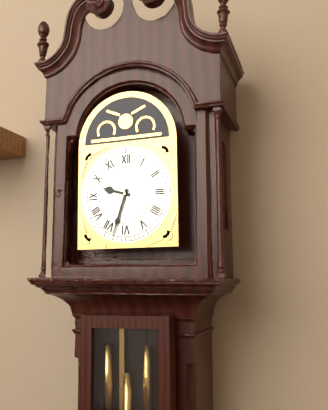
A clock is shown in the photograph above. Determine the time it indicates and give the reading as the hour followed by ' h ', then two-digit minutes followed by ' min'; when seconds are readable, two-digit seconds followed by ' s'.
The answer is 9 h 33 min
